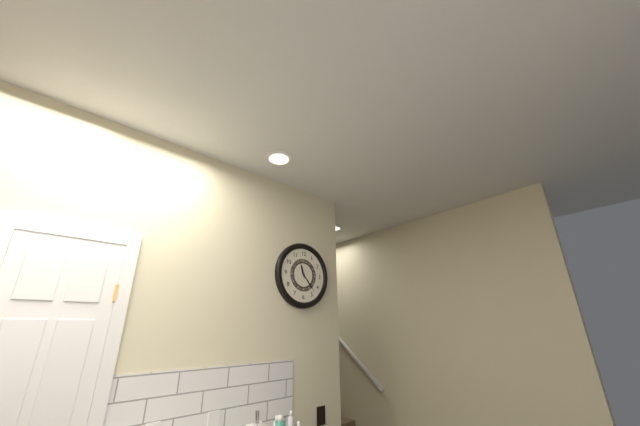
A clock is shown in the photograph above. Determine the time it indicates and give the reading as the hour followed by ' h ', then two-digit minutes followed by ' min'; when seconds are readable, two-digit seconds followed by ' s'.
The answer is 11 h 23 min
